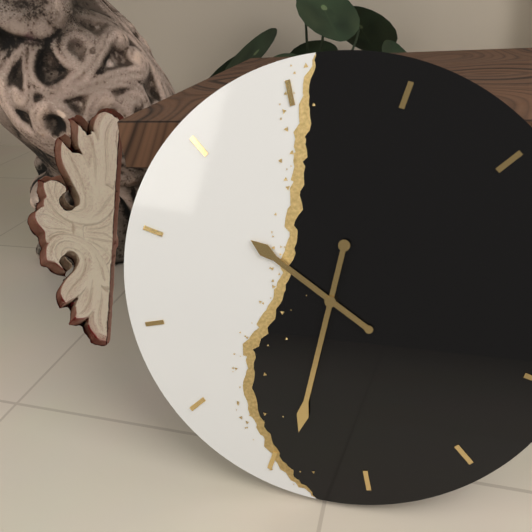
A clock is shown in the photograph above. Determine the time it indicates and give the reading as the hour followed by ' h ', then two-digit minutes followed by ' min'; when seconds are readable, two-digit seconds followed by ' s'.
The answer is 10 h 34 min
